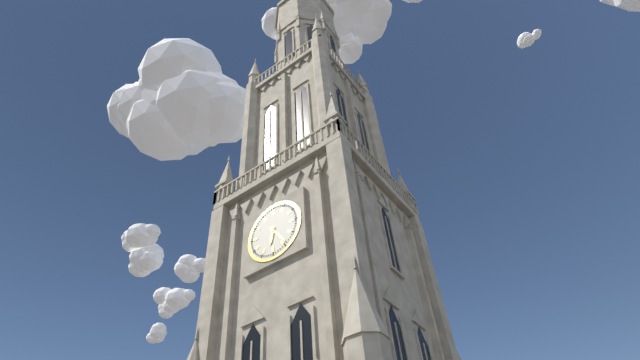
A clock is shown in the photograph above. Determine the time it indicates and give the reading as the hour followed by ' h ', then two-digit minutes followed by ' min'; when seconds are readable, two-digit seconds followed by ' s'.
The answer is 6 h 24 min
